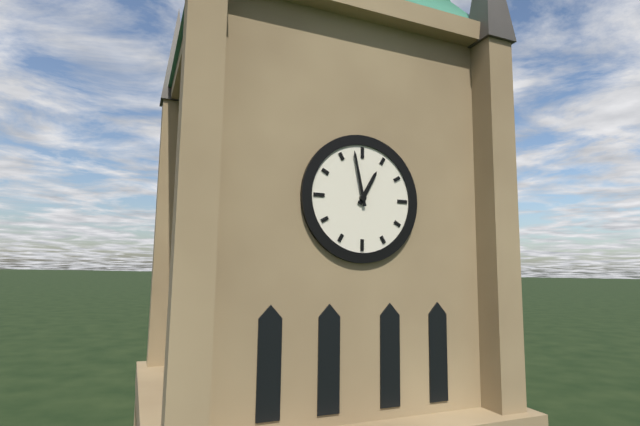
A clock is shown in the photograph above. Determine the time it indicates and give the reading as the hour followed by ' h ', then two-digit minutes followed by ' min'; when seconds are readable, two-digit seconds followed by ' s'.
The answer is 12 h 58 min
